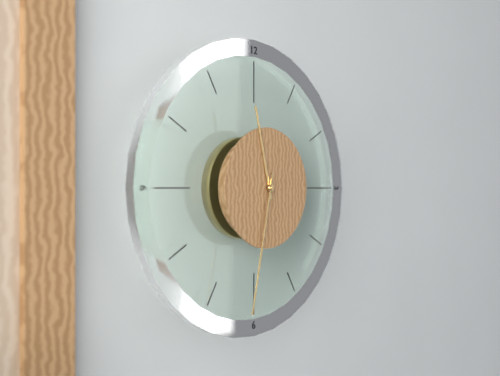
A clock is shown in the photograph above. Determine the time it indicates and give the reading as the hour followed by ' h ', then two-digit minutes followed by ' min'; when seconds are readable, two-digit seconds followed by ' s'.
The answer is 11 h 32 min
